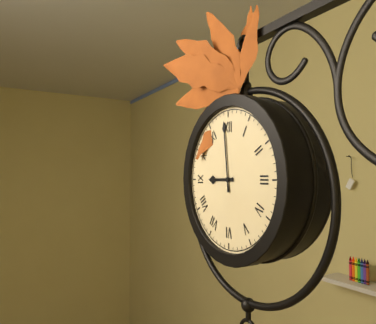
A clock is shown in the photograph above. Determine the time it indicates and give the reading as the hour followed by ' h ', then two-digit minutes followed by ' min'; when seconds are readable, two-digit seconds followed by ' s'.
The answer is 8 h 59 min
